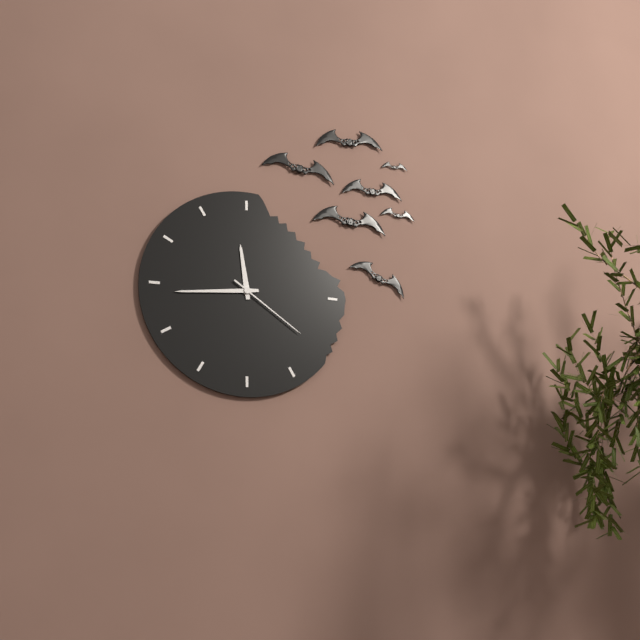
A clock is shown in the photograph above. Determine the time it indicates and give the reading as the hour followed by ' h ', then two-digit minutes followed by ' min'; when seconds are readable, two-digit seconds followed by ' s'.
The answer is 11 h 44 min 21 s
